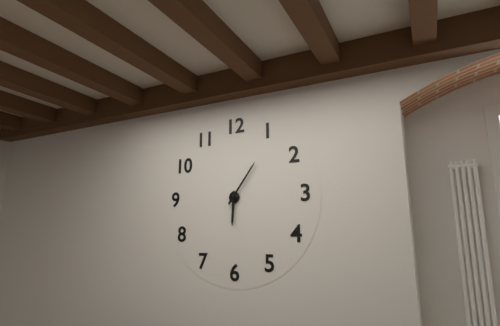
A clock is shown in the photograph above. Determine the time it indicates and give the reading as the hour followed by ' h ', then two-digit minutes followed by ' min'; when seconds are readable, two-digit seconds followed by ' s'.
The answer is 6 h 06 min
